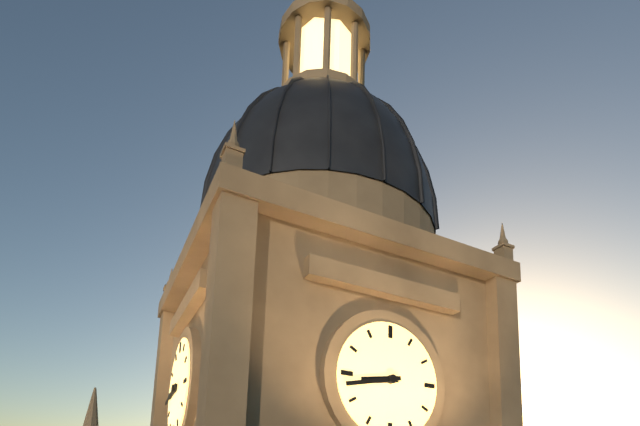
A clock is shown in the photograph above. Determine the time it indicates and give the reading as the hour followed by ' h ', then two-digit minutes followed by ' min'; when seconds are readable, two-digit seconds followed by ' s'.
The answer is 8 h 43 min
